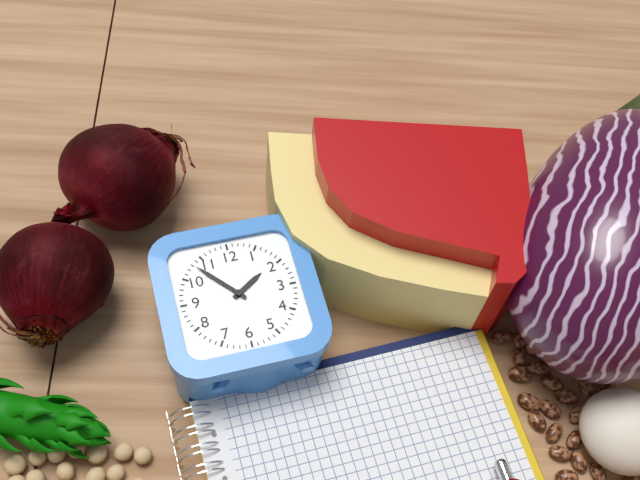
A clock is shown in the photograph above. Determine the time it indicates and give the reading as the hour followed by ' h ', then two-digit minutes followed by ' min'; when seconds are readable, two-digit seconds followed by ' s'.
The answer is 1 h 53 min
